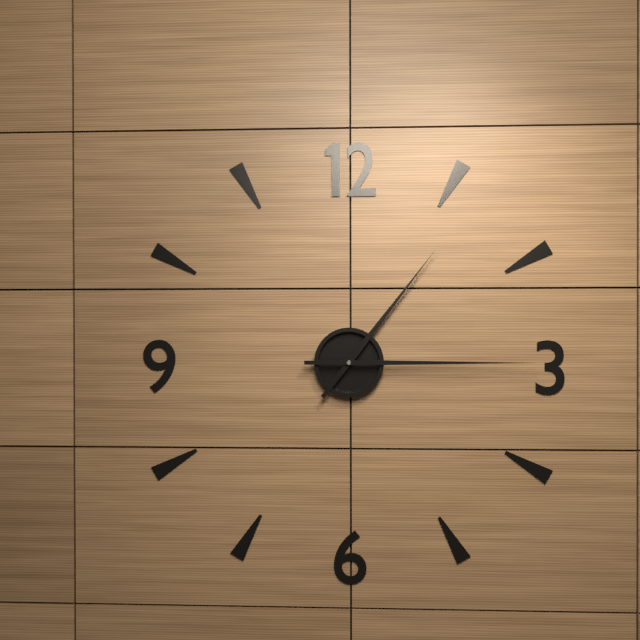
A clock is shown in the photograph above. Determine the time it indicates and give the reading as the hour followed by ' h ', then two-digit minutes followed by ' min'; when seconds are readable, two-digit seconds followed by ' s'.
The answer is 1 h 15 min
